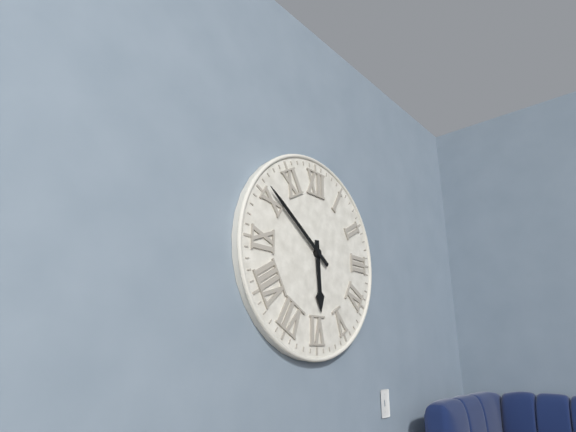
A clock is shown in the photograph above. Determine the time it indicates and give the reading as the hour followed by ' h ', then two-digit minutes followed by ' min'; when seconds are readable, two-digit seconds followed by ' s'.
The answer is 5 h 51 min
